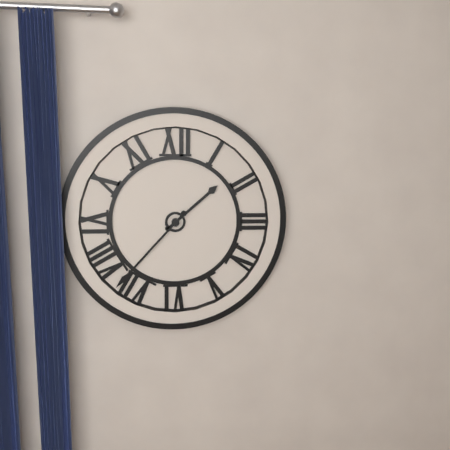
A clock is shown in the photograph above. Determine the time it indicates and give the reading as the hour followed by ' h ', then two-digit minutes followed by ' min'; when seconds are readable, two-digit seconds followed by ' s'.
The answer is 1 h 37 min
